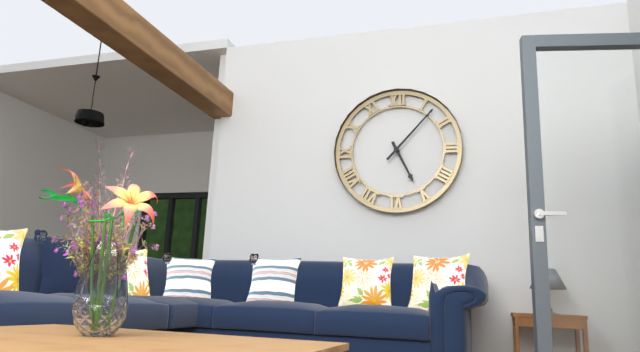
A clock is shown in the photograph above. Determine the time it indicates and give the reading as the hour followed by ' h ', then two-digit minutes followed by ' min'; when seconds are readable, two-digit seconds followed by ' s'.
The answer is 5 h 07 min
